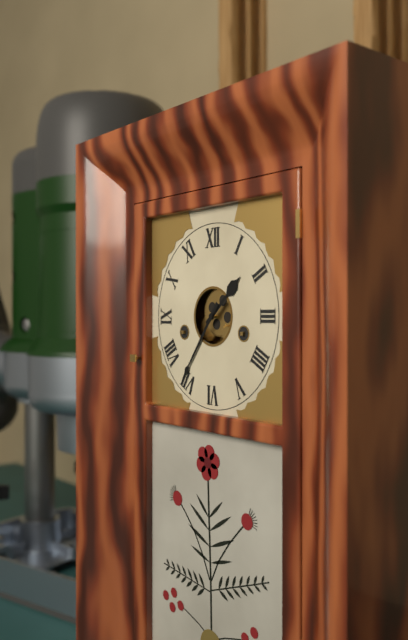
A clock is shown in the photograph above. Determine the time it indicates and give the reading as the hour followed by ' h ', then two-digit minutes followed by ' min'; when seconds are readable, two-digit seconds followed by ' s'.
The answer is 1 h 36 min
